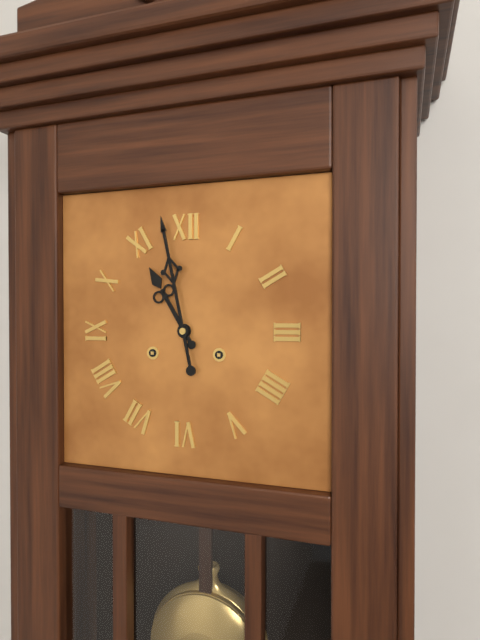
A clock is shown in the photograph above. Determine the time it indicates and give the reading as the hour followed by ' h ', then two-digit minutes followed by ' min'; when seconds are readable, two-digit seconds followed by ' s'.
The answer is 10 h 58 min
